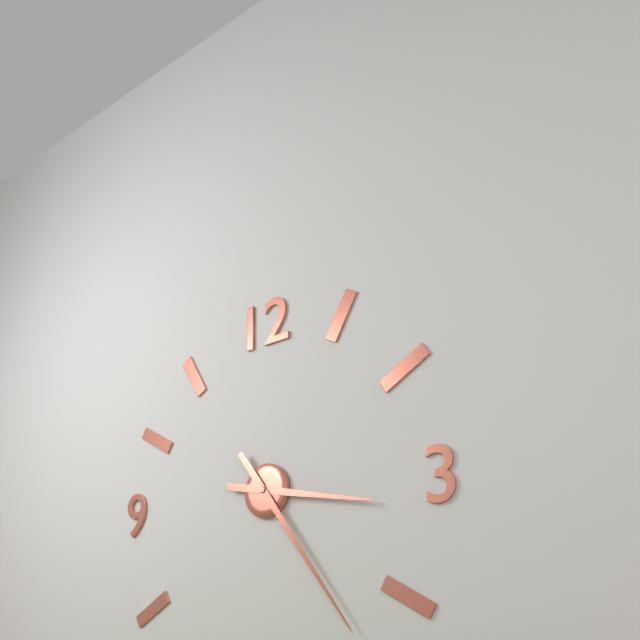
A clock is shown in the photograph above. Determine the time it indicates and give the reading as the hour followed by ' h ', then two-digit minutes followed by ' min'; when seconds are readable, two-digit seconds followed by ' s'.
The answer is 3 h 24 min
